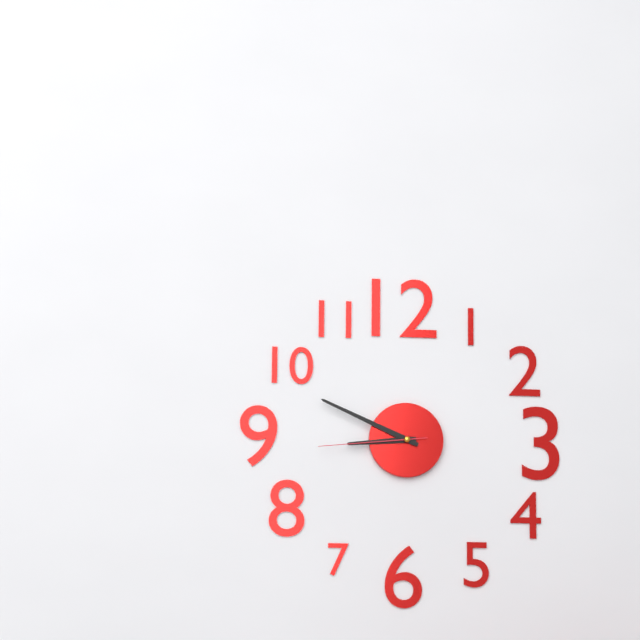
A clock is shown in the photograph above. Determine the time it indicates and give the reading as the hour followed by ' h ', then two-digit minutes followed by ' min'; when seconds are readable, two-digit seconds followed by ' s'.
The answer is 8 h 49 min 44 s
